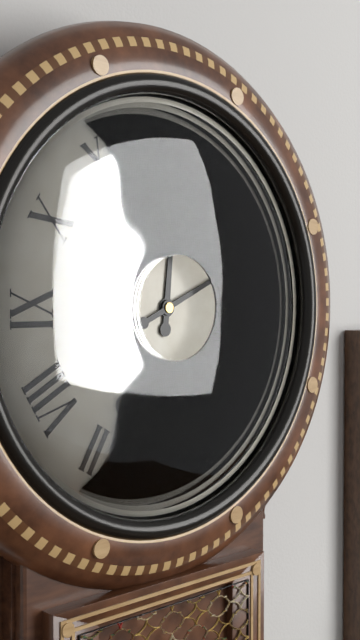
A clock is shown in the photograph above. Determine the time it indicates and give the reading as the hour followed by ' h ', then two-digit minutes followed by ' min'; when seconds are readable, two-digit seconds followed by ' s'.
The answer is 12 h 11 min
